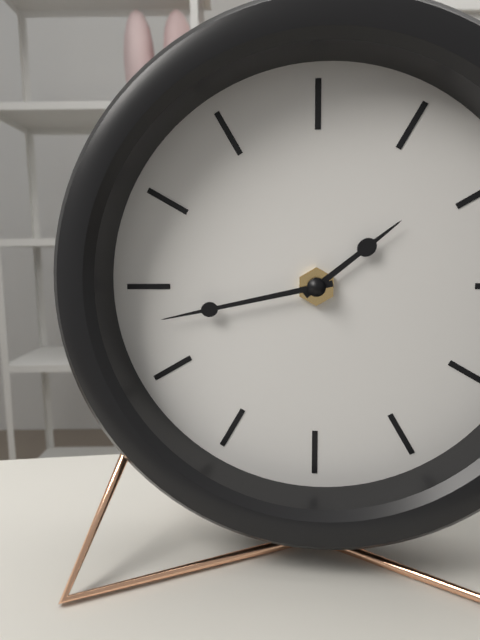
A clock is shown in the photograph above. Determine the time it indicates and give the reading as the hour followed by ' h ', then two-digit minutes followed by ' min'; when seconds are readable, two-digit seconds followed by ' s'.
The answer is 1 h 43 min
